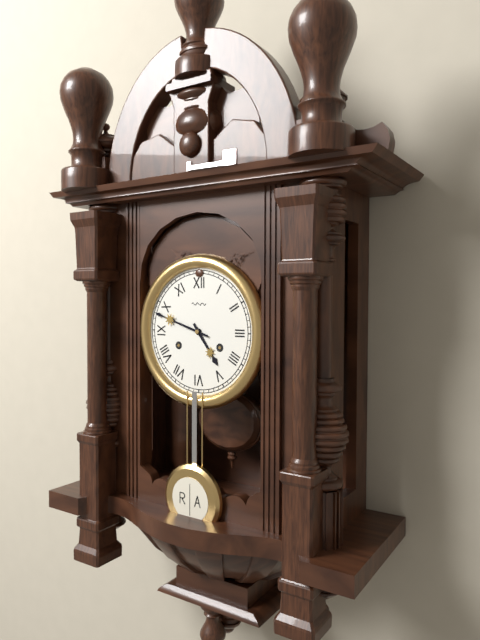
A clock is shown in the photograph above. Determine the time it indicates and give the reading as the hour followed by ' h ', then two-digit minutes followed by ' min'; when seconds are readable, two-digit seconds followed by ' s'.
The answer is 4 h 48 min
